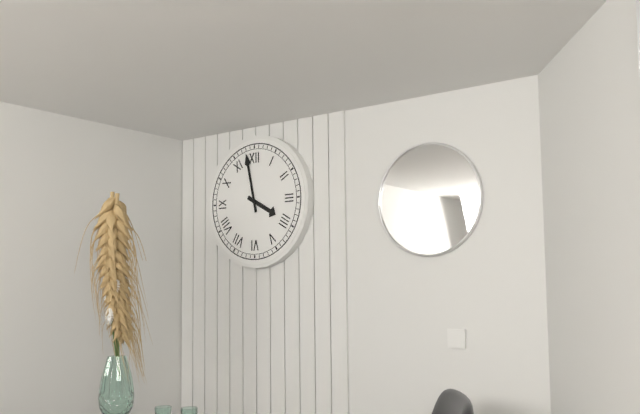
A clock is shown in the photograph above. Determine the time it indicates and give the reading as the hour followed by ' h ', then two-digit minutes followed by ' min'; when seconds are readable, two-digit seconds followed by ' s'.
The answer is 3 h 58 min
